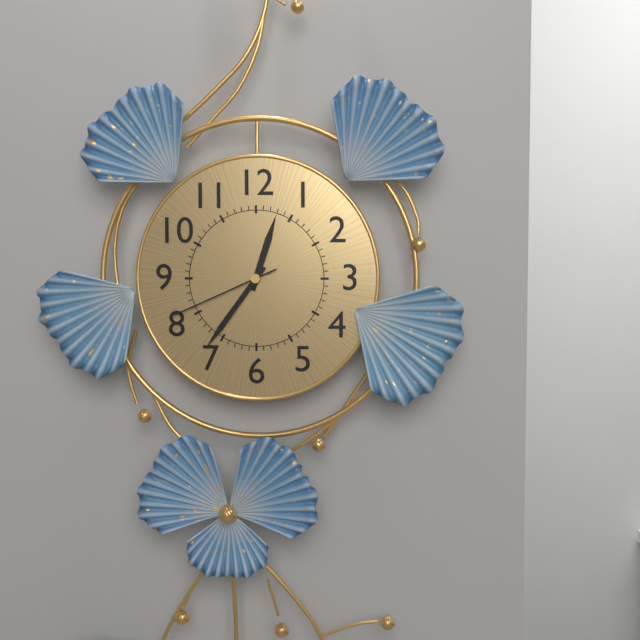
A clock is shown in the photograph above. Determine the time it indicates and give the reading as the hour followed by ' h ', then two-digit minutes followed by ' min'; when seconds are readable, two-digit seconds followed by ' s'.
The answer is 12 h 36 min 41 s
